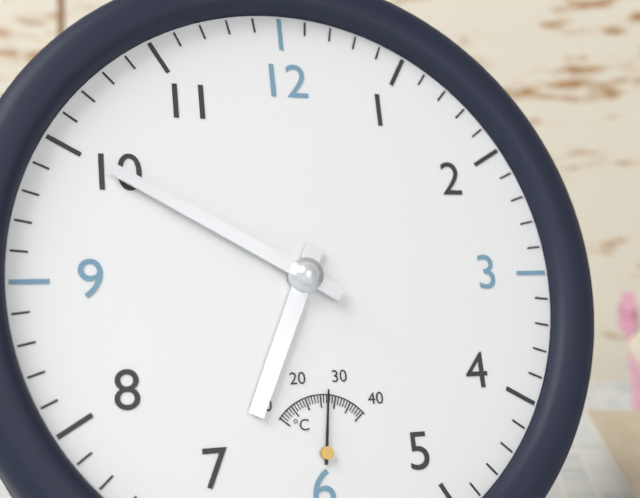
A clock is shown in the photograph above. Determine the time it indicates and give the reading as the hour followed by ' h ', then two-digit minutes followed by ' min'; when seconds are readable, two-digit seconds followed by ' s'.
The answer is 6 h 50 min
